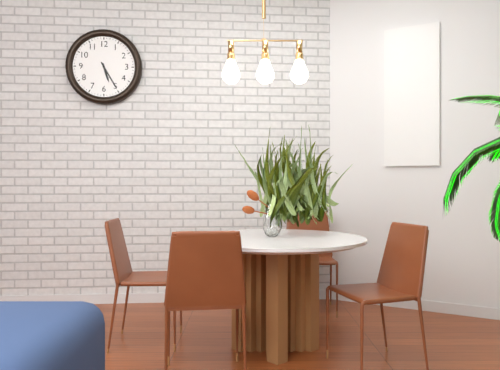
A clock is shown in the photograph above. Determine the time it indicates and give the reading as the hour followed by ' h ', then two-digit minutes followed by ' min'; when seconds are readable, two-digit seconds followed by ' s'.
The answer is 5 h 25 min
